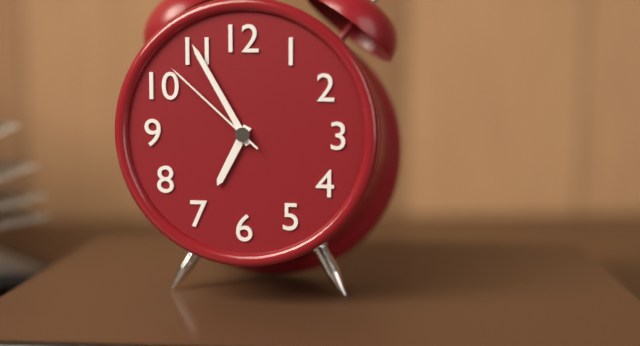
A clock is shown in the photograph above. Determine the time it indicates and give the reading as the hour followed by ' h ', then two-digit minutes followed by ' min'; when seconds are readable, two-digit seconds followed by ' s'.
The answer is 6 h 55 min 52 s
